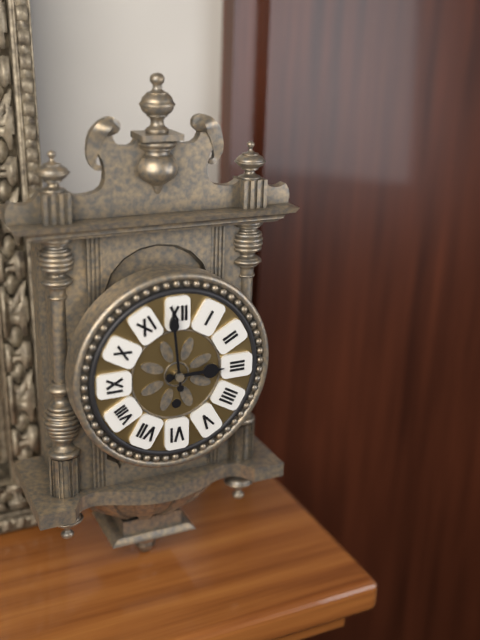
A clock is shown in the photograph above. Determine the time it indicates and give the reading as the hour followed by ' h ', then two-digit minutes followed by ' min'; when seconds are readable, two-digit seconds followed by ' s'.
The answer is 2 h 59 min
